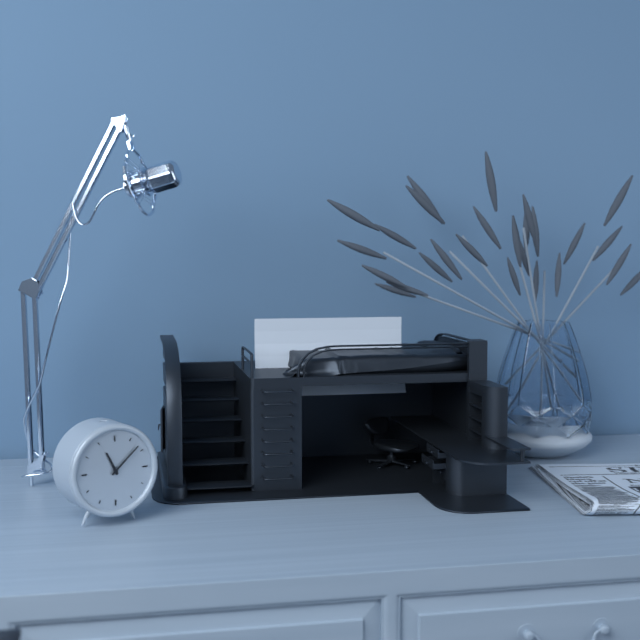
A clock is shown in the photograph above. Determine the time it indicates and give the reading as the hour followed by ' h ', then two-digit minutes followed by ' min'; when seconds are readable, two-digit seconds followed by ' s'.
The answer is 11 h 08 min
